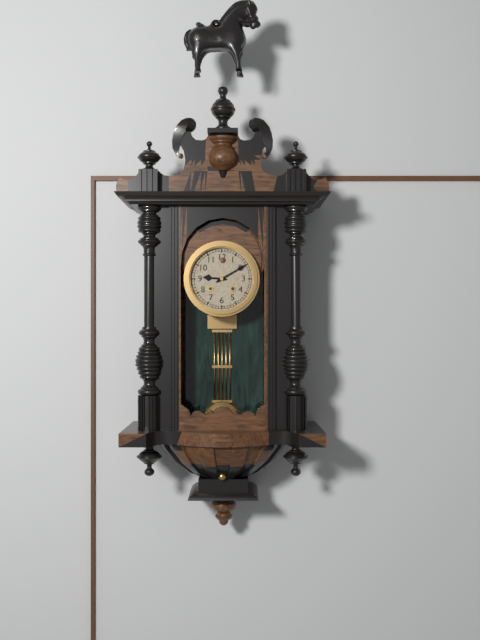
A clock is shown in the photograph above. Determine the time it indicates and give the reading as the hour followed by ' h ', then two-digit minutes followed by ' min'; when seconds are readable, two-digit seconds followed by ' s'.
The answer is 9 h 10 min
